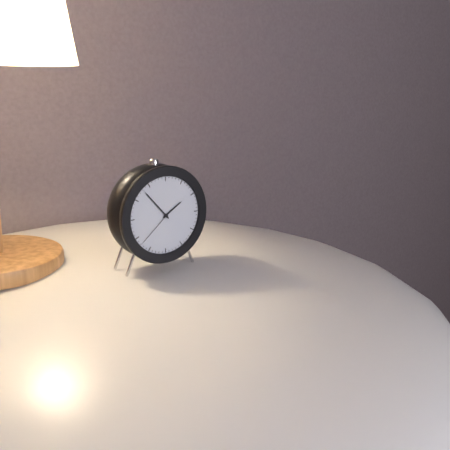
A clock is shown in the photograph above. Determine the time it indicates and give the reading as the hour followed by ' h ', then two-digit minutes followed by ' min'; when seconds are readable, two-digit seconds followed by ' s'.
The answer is 1 h 53 min
